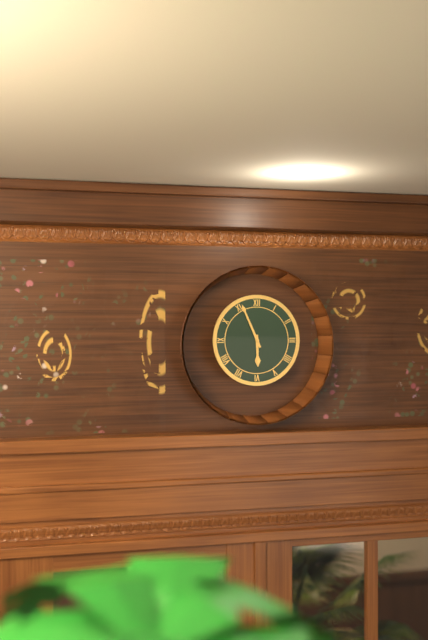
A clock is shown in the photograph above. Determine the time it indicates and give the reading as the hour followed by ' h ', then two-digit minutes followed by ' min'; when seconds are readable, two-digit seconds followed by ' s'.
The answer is 5 h 56 min
